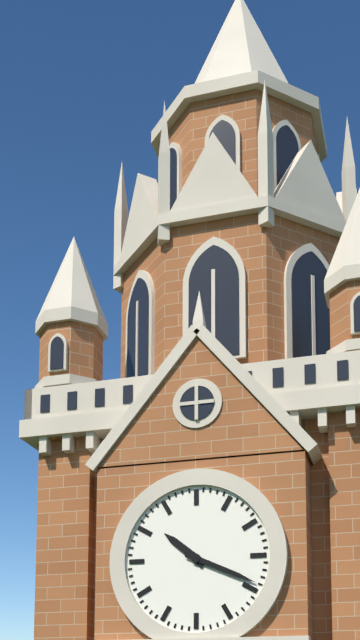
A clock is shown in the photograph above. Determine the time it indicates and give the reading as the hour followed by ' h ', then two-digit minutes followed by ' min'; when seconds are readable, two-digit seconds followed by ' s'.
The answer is 10 h 19 min
